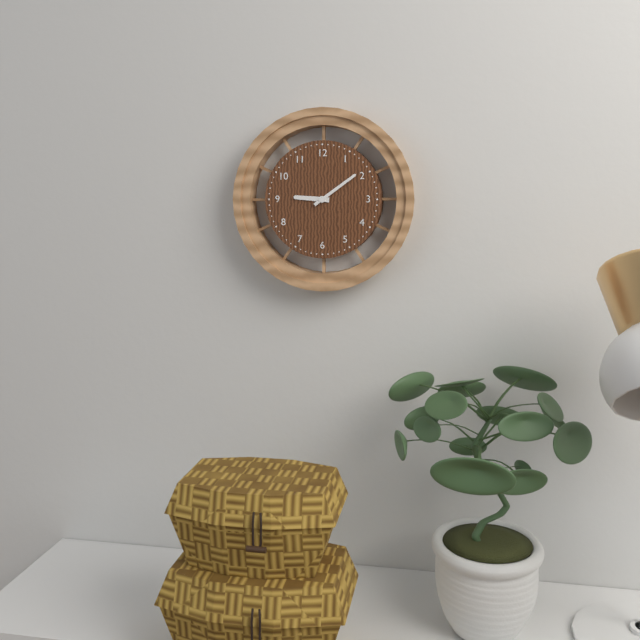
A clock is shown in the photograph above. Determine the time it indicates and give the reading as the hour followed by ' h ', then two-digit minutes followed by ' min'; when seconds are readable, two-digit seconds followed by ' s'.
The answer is 9 h 09 min
